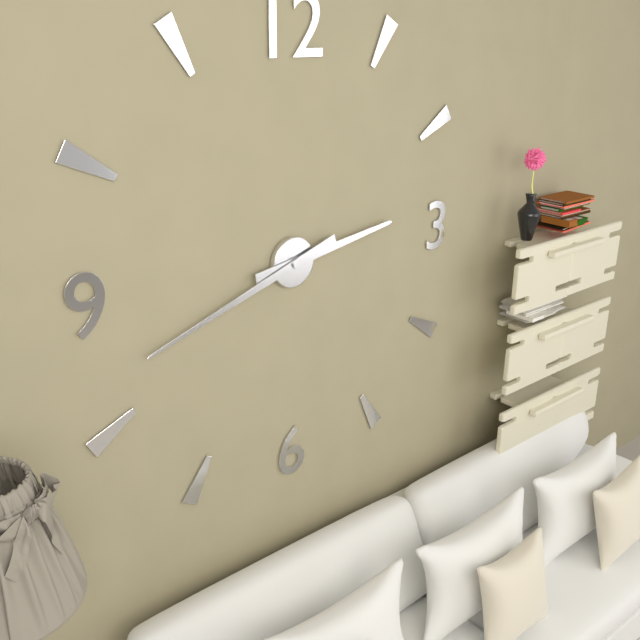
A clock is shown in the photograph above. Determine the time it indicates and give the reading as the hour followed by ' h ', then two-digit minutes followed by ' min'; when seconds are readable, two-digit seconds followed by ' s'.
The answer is 2 h 42 min
